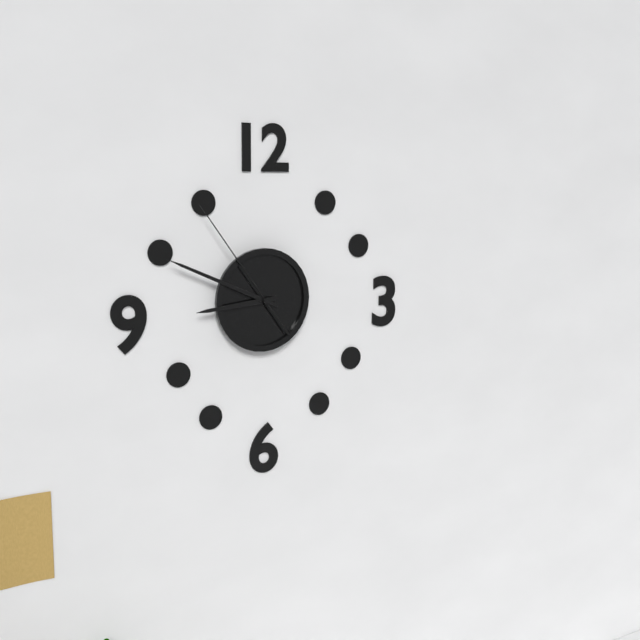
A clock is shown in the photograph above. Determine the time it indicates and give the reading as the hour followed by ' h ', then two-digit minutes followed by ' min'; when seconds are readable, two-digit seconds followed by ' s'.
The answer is 8 h 49 min 54 s
